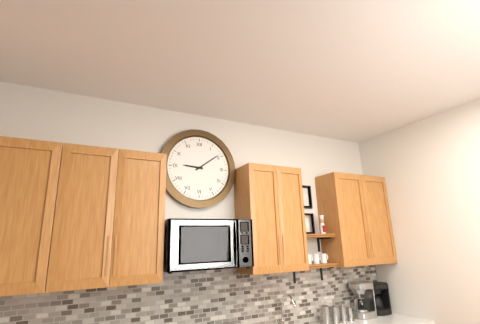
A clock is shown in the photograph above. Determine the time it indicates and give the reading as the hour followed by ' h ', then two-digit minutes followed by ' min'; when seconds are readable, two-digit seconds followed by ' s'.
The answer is 9 h 09 min
